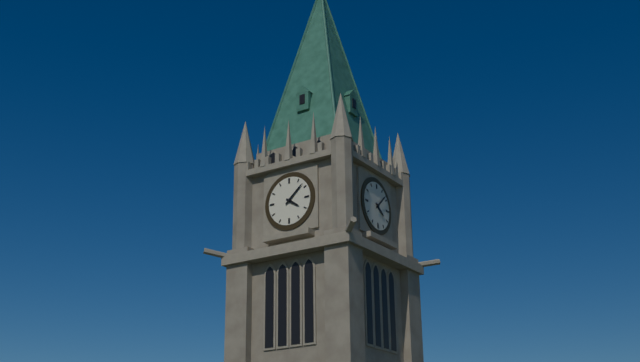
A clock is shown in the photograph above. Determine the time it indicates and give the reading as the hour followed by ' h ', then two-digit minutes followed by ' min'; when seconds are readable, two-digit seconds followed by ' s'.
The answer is 4 h 08 min
